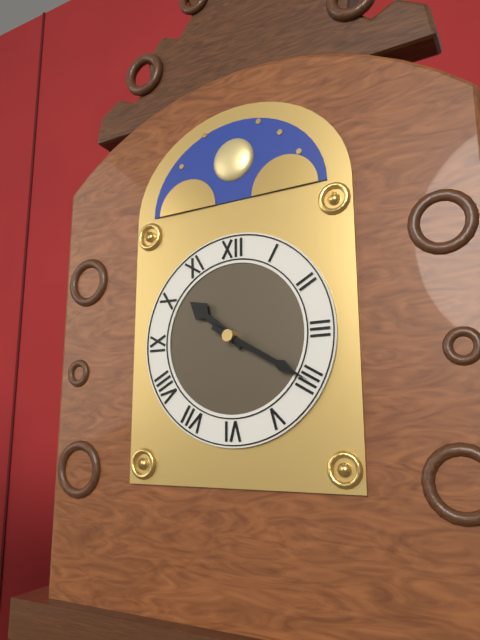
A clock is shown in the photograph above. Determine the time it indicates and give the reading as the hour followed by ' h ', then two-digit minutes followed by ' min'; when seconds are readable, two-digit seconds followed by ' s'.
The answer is 10 h 20 min
